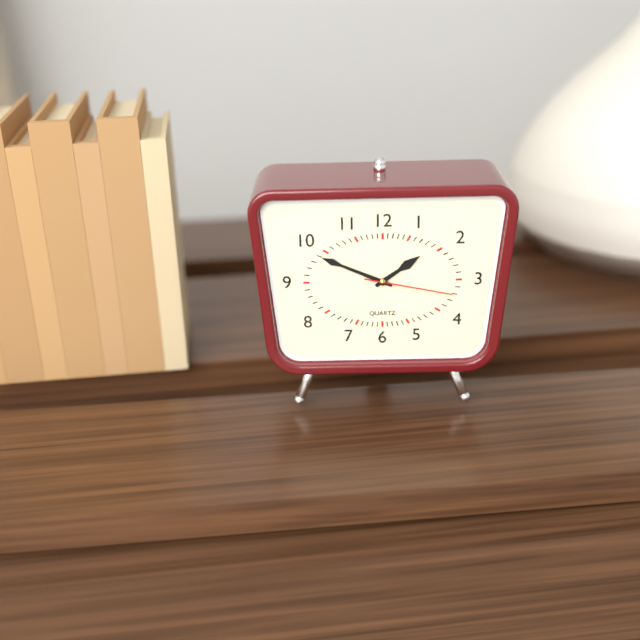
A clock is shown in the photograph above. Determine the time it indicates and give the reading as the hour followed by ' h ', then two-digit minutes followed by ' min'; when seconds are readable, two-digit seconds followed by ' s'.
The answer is 1 h 49 min 17 s
